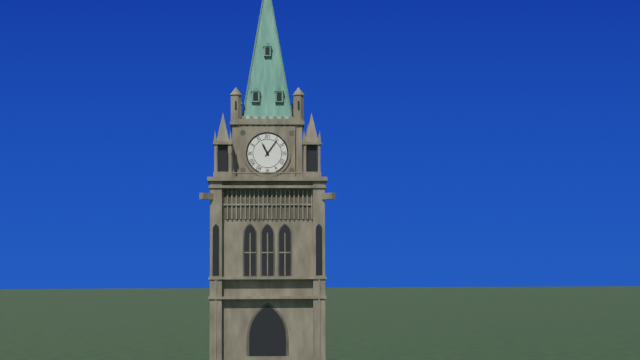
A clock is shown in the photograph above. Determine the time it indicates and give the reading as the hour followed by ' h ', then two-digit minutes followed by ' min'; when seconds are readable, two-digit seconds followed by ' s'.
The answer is 11 h 06 min
